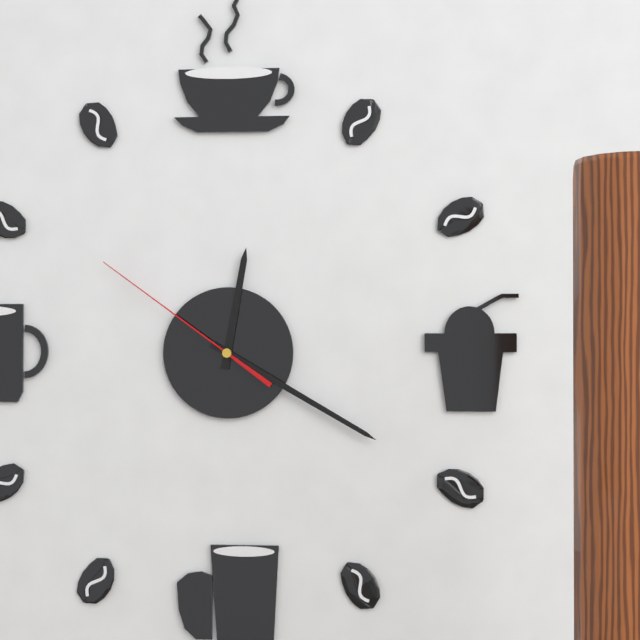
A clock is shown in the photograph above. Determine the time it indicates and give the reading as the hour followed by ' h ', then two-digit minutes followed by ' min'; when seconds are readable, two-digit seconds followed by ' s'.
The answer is 12 h 20 min 51 s
